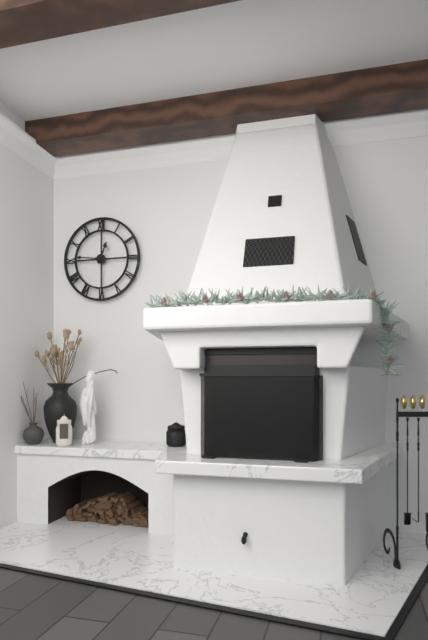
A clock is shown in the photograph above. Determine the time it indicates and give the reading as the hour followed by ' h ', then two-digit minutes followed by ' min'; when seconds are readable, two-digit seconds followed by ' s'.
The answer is 12 h 46 min
